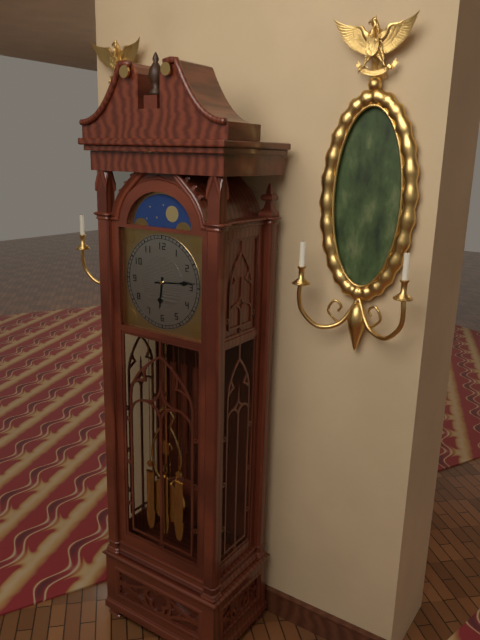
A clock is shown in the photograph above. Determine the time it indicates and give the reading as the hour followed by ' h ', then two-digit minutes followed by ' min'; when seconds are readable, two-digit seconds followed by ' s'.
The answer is 6 h 14 min
